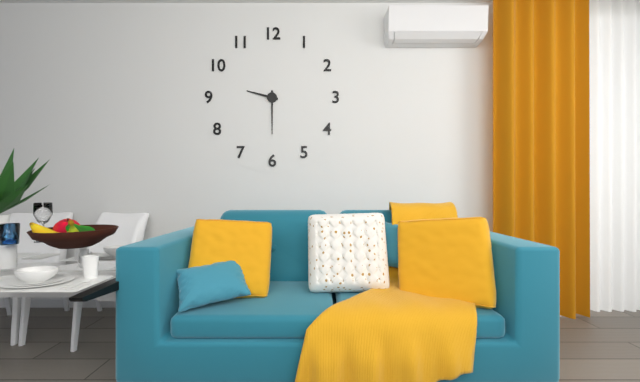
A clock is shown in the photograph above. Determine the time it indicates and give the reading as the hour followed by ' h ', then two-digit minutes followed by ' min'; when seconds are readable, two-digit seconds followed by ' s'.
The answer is 9 h 30 min
